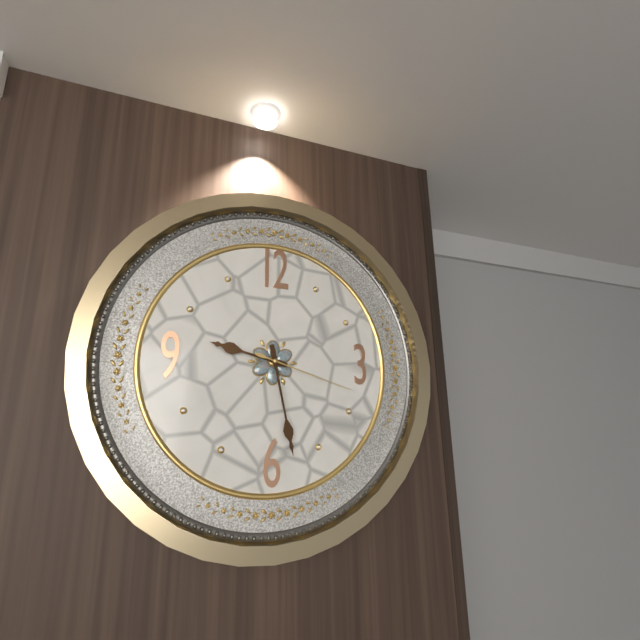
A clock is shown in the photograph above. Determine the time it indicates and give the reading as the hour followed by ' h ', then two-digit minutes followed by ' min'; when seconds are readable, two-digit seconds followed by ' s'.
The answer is 9 h 28 min 18 s
